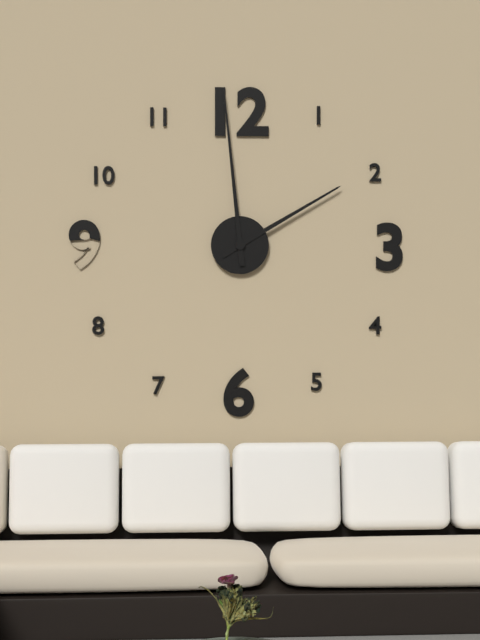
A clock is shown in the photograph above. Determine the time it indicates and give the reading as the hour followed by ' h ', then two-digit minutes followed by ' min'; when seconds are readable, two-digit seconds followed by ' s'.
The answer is 1 h 59 min
